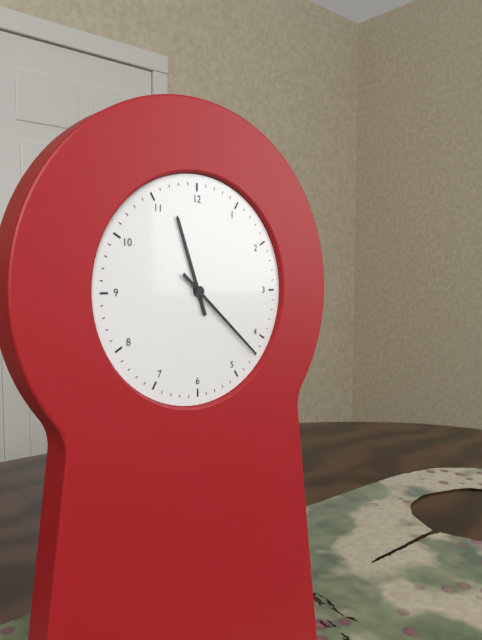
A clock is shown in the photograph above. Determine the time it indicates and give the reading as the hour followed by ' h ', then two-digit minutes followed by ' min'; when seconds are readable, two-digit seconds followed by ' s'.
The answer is 11 h 22 min
